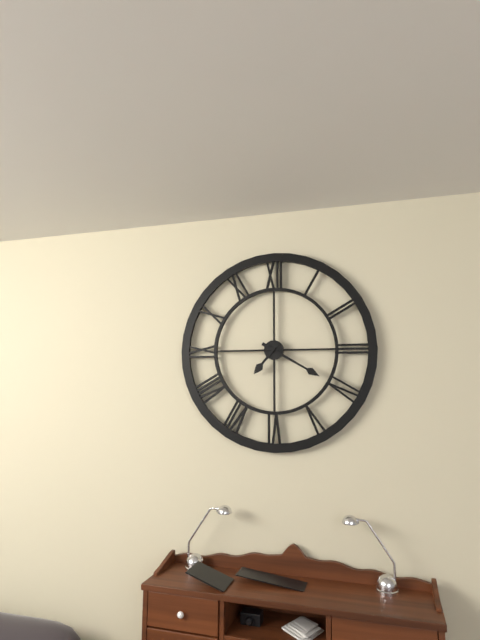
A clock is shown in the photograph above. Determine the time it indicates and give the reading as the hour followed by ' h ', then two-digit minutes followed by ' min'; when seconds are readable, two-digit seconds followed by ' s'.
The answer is 7 h 20 min 45 s
